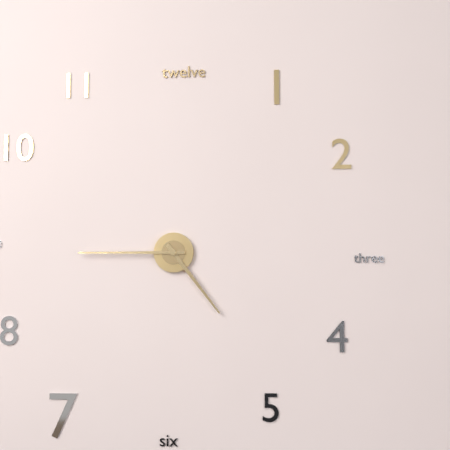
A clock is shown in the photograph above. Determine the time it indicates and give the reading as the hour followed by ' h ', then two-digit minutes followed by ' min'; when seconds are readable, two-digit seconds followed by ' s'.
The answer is 4 h 45 min
